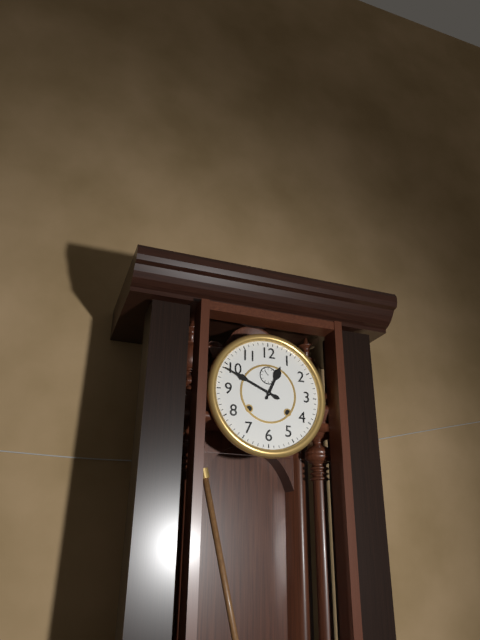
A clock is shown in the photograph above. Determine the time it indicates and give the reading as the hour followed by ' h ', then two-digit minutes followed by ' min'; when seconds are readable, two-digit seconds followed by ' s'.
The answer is 12 h 49 min
